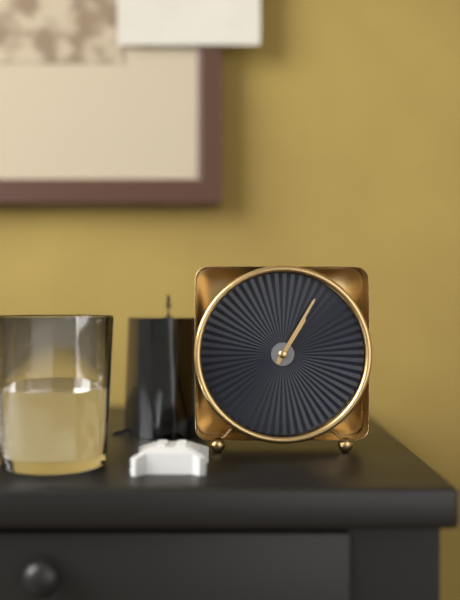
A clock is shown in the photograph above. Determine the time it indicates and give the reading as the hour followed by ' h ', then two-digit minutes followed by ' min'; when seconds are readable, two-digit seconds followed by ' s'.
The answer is 1 h 05 min
